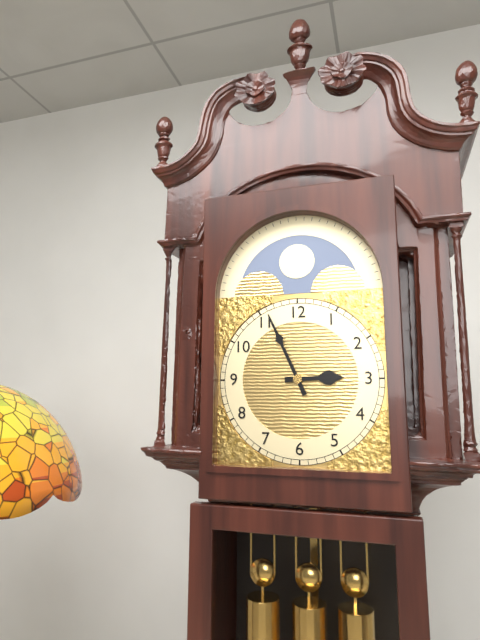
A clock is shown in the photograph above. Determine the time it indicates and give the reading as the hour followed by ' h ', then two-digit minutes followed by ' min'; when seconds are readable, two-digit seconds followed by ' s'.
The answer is 2 h 56 min
